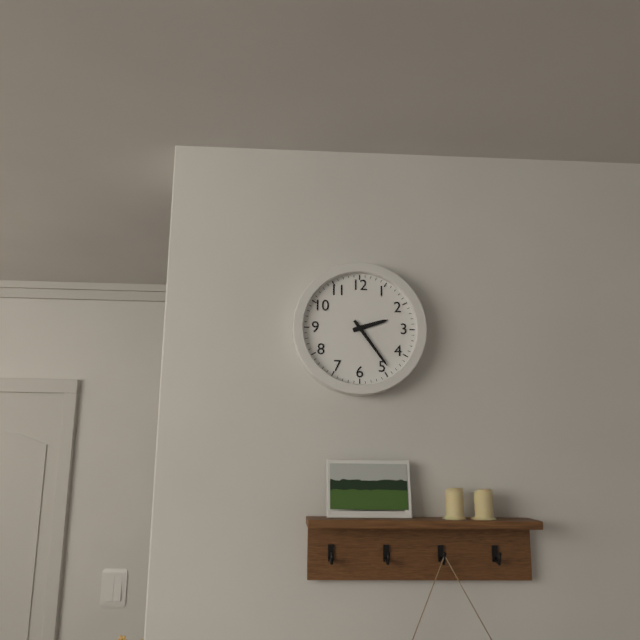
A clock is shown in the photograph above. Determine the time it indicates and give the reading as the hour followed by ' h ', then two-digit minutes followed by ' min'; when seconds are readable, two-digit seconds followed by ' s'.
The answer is 2 h 24 min
